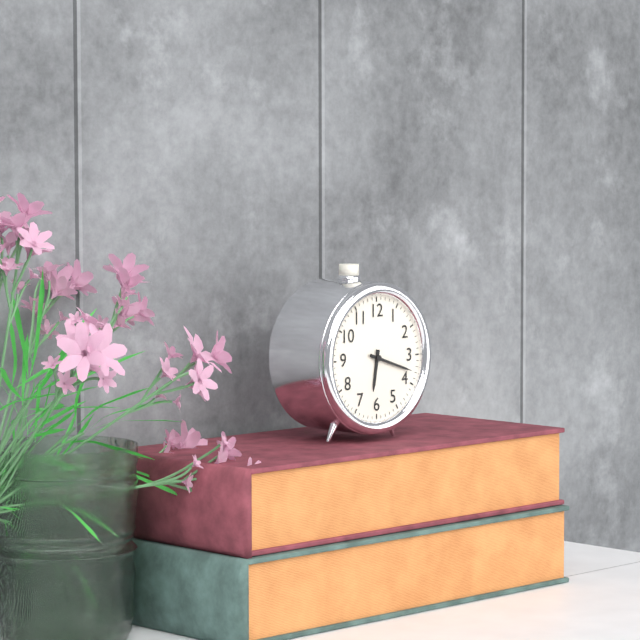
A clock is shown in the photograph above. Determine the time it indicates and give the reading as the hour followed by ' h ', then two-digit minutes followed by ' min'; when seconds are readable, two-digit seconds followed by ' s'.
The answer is 6 h 18 min
